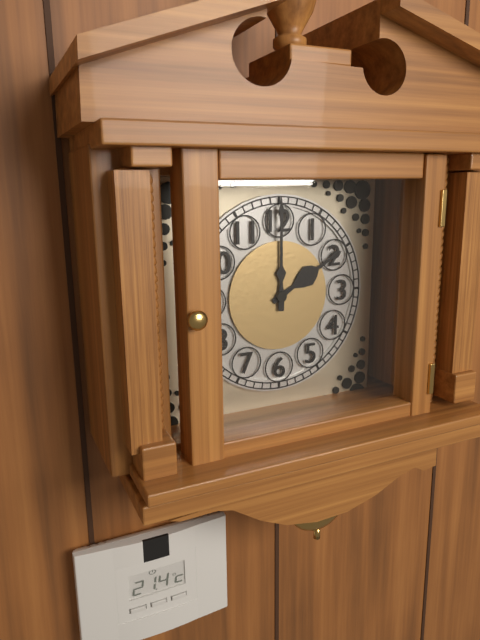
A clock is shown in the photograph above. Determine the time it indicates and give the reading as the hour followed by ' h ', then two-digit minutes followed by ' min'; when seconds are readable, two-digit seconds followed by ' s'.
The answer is 2 h 00 min
